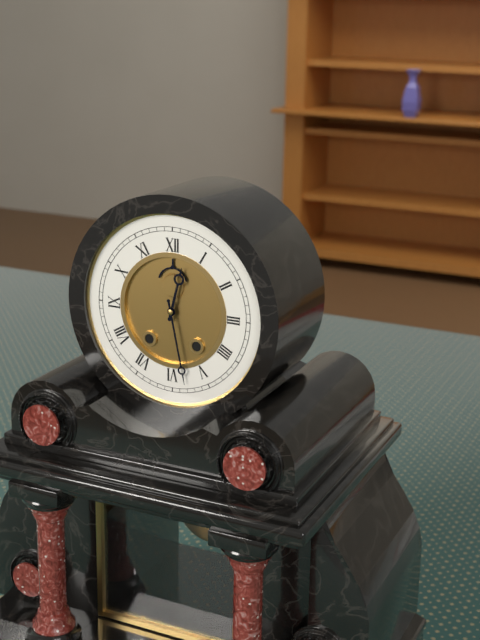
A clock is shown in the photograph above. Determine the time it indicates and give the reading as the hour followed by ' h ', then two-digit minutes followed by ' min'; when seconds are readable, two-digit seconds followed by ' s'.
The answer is 12 h 28 min
